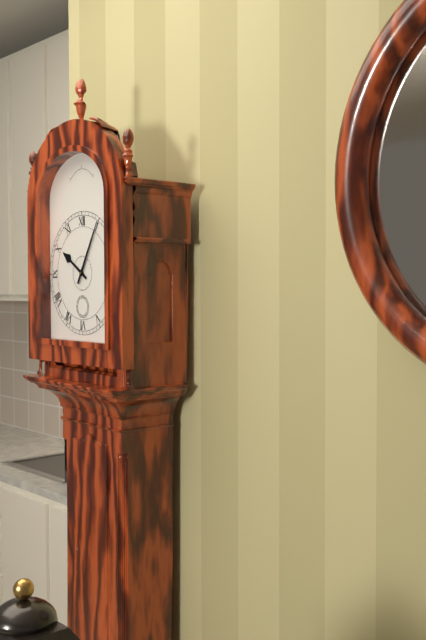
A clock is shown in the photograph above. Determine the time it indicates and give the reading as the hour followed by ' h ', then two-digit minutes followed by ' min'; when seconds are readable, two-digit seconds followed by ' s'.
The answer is 10 h 05 min
